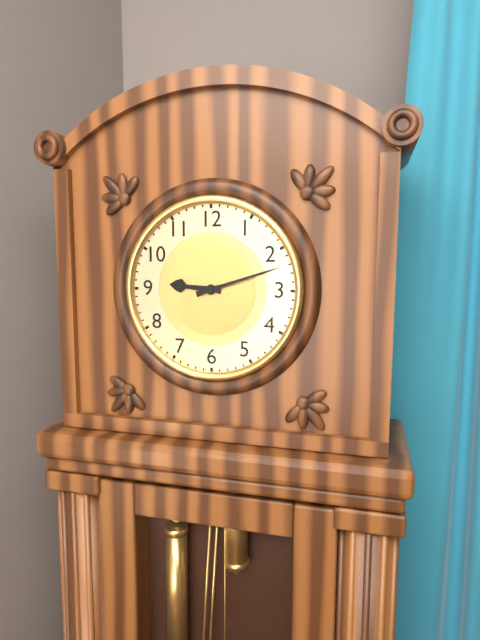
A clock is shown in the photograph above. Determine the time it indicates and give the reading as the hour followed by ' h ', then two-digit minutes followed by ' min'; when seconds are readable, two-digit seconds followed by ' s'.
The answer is 9 h 12 min
